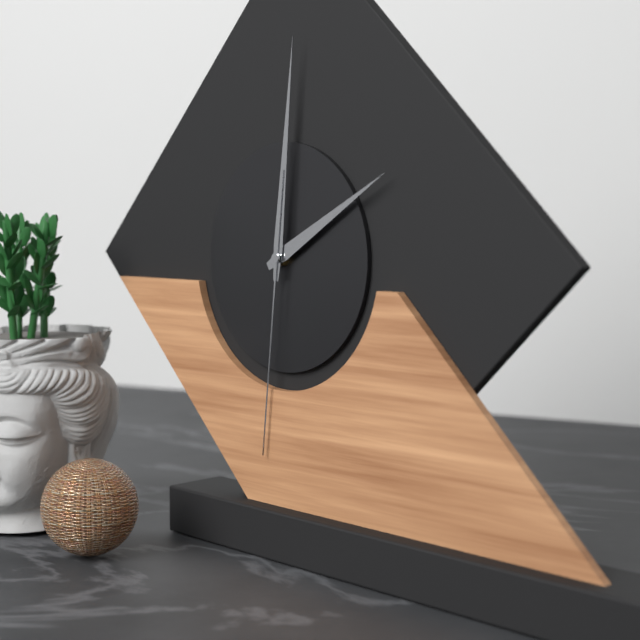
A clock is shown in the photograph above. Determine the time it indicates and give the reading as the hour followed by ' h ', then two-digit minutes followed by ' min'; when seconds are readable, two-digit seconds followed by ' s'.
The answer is 2 h 01 min 31 s
